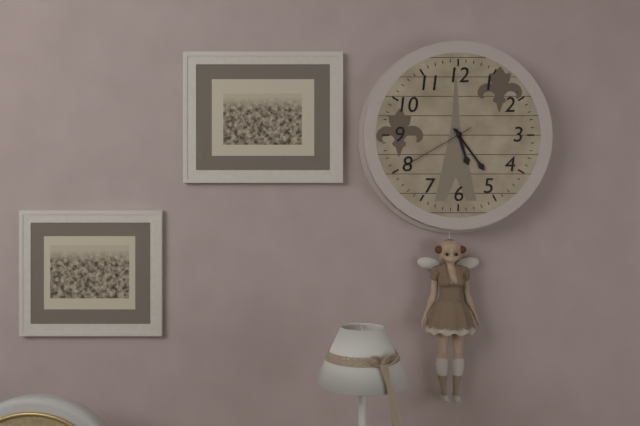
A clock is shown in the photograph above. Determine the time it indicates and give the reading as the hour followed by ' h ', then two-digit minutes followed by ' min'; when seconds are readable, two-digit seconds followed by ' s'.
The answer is 5 h 24 min 40 s
